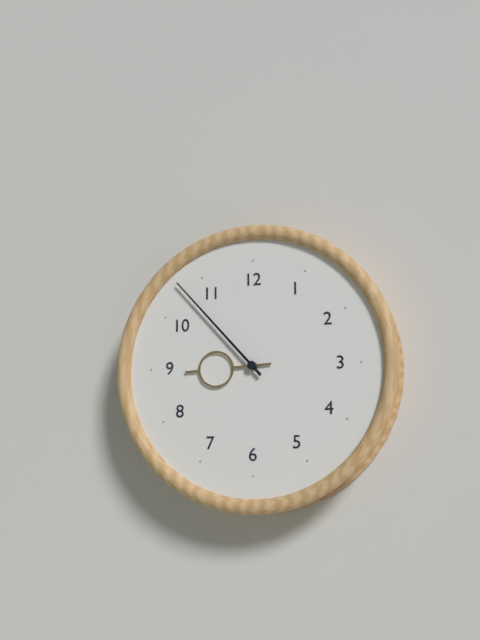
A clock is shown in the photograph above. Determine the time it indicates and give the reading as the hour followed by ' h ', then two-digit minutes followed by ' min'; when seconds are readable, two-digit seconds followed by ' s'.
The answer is 8 h 53 min
